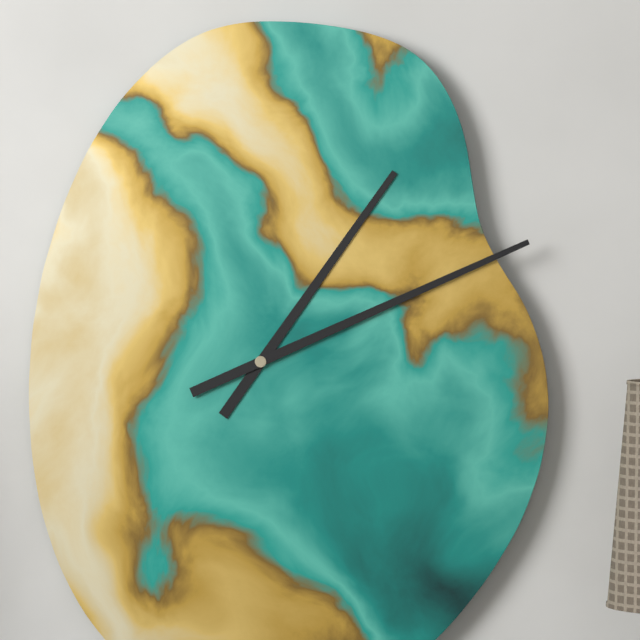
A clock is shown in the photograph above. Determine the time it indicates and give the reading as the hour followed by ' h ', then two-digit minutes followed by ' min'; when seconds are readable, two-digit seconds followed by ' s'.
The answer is 1 h 11 min
